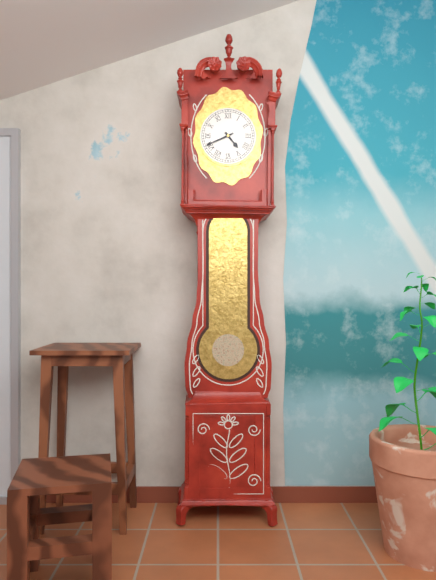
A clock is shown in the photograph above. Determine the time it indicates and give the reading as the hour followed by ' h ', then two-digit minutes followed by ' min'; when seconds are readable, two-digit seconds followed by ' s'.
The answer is 4 h 41 min
